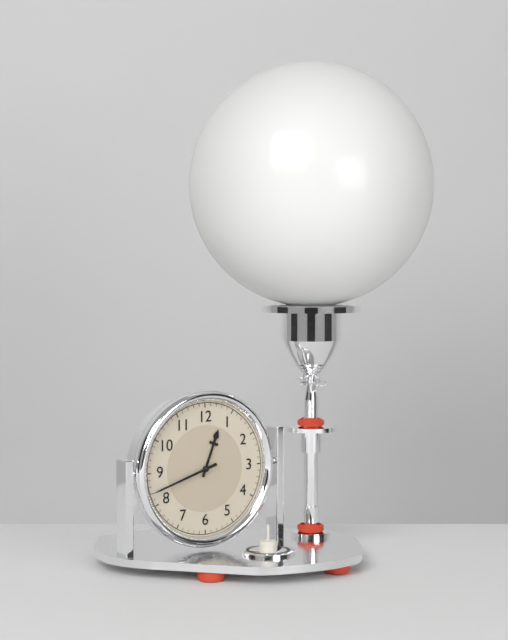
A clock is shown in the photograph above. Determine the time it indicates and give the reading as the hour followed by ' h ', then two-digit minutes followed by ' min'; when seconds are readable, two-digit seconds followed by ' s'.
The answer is 12 h 42 min
